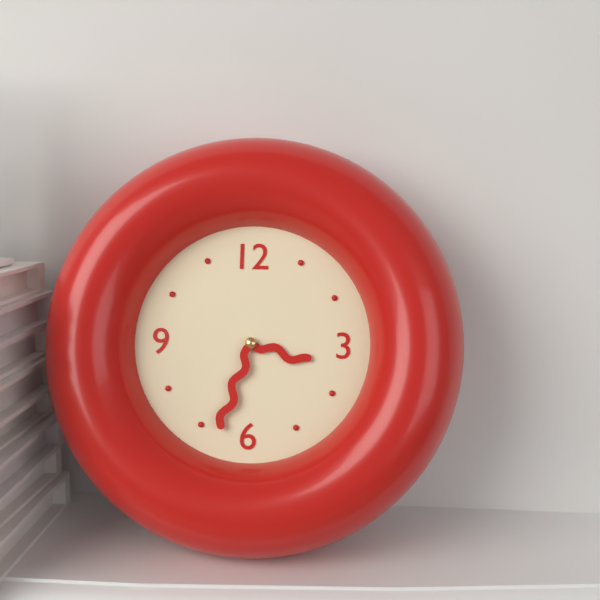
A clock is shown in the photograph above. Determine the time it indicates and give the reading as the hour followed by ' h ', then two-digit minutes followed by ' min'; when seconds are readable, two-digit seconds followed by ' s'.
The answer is 3 h 33 min
